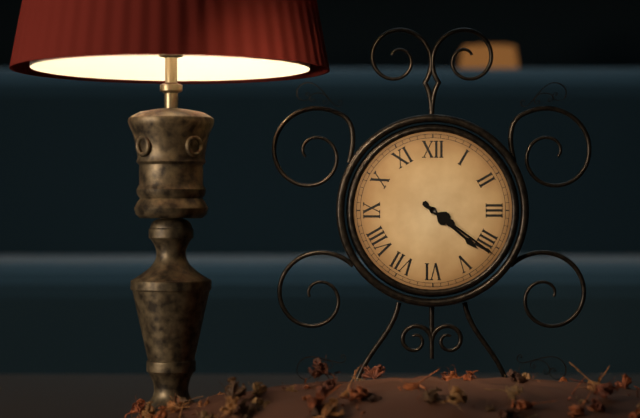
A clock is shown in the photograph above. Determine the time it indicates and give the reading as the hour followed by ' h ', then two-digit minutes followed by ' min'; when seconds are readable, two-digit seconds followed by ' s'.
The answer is 4 h 21 min
